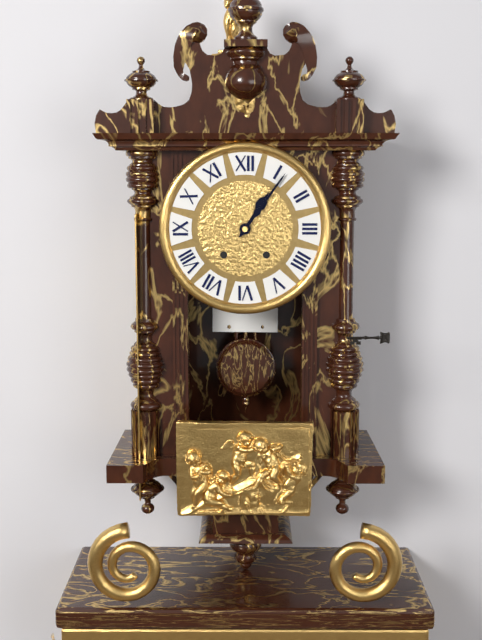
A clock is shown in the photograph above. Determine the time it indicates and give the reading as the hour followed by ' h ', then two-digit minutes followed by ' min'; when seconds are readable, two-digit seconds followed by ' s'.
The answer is 1 h 06 min
